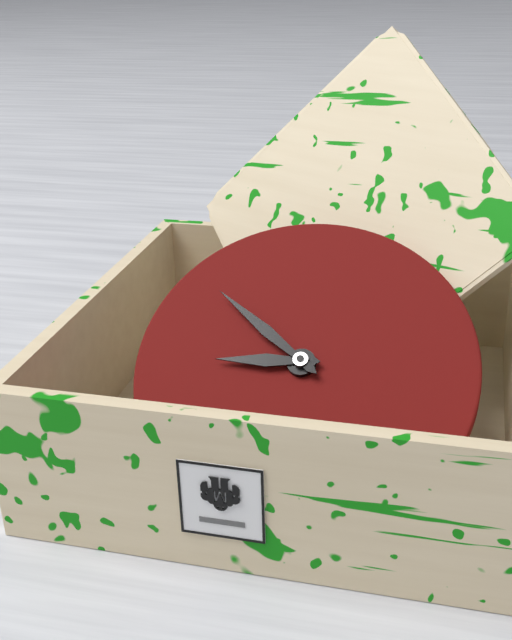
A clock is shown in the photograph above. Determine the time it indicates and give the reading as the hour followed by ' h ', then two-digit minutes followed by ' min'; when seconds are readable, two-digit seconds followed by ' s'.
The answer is 8 h 51 min
